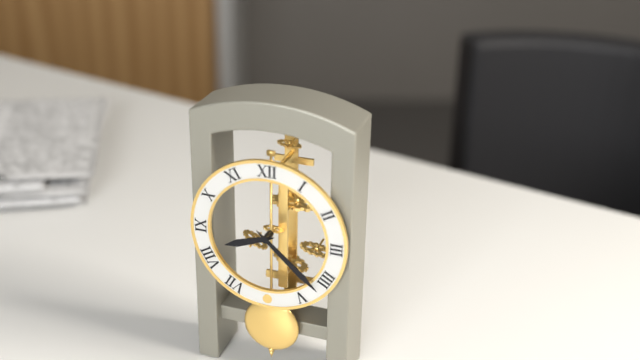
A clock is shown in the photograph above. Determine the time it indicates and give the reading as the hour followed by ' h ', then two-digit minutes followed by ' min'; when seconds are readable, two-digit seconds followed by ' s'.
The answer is 8 h 22 min
